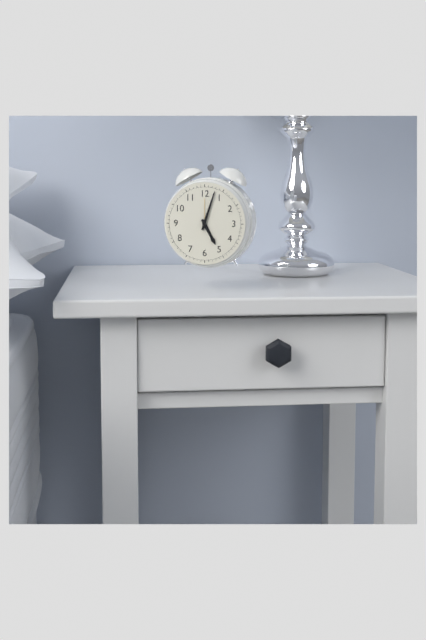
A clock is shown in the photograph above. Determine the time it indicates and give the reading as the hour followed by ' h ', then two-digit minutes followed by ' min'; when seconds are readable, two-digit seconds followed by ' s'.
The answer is 5 h 03 min
